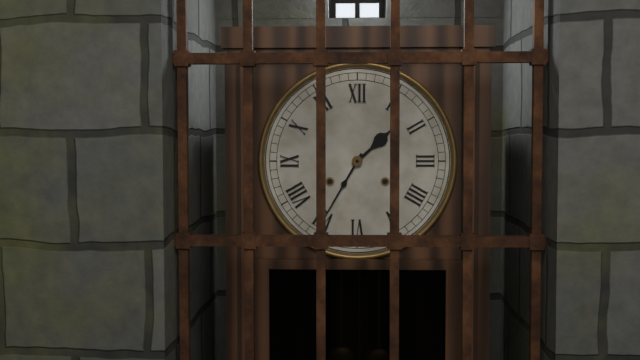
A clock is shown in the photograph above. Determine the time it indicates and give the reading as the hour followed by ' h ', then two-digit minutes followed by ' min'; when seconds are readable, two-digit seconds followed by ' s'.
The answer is 1 h 35 min
